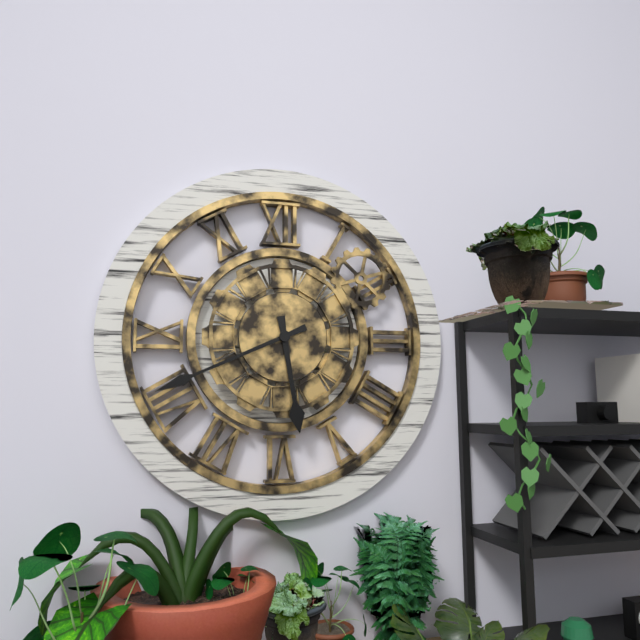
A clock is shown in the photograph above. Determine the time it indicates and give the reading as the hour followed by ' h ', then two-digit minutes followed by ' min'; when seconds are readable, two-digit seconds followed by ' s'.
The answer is 5 h 41 min
